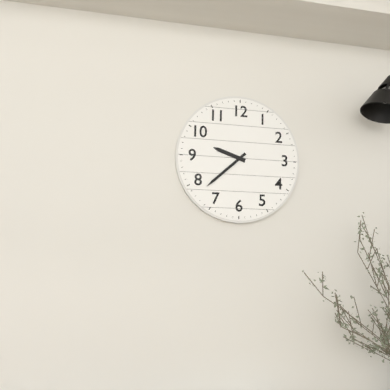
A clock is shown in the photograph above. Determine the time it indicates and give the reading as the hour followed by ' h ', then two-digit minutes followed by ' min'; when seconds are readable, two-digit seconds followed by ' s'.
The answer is 9 h 38 min
